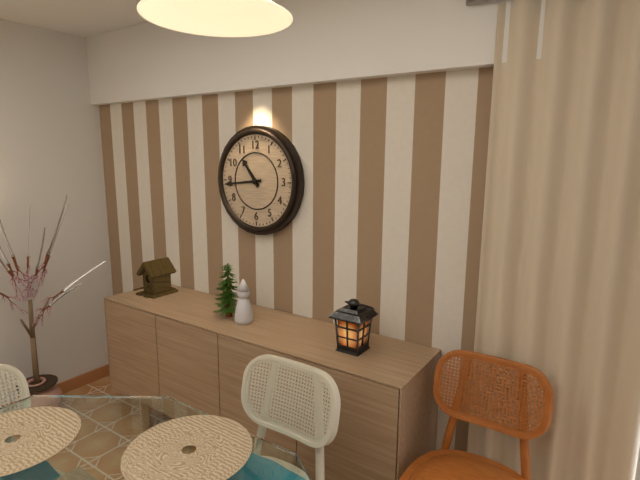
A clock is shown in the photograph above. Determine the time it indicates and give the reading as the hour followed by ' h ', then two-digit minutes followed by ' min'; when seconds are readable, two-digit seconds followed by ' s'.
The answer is 10 h 44 min
